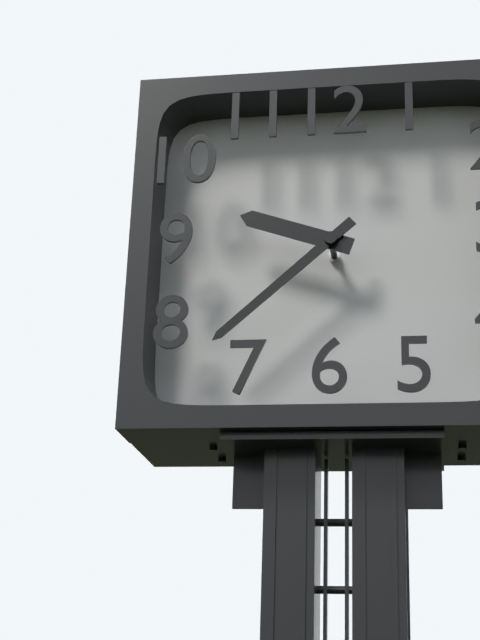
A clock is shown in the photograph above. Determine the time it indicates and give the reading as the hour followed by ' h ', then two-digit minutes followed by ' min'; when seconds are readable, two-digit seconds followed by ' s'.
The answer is 9 h 38 min
